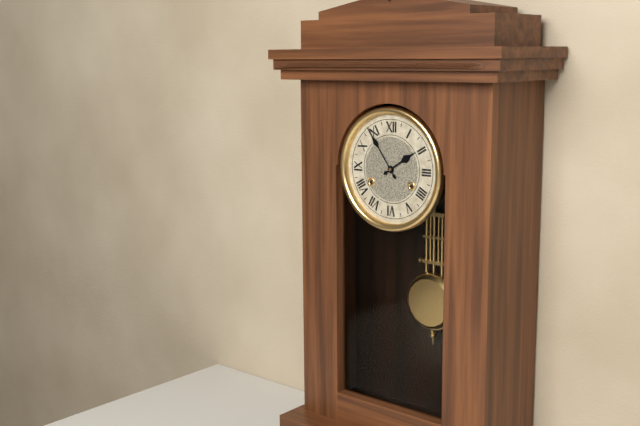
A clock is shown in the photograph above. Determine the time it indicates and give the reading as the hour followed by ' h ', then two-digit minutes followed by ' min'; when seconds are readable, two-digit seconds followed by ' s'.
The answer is 1 h 54 min
